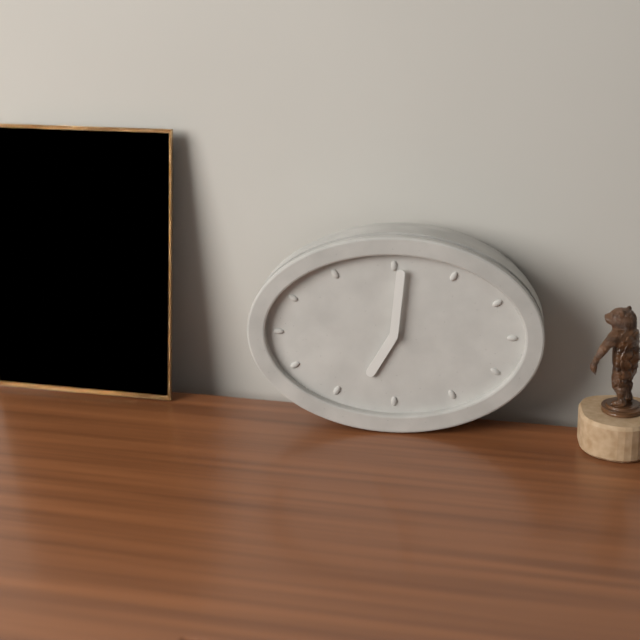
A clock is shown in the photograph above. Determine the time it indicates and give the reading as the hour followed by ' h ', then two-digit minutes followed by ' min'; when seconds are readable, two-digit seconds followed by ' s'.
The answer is 7 h 01 min
